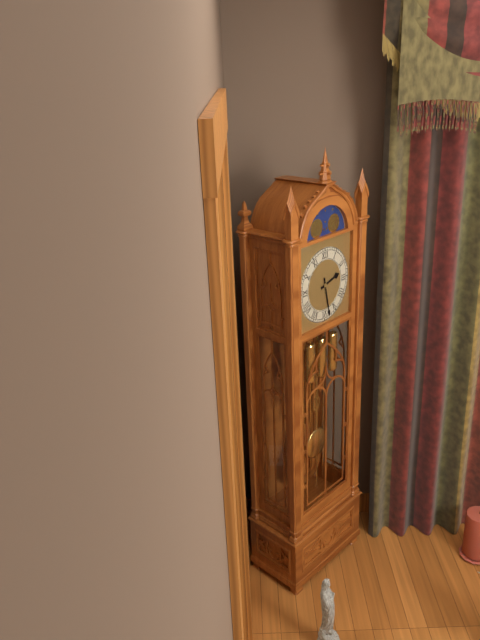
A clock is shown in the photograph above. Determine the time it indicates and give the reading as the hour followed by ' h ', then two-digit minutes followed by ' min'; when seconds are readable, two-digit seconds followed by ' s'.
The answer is 2 h 28 min
